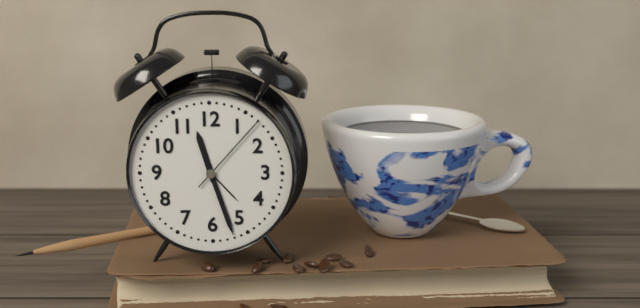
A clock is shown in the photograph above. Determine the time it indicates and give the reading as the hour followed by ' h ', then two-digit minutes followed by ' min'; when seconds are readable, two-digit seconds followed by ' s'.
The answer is 11 h 27 min 07 s
